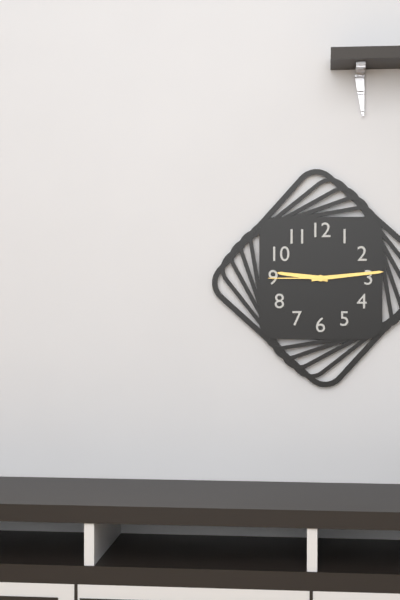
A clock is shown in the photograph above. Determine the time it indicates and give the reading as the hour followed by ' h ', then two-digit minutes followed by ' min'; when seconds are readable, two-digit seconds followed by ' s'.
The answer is 9 h 14 min 45 s
